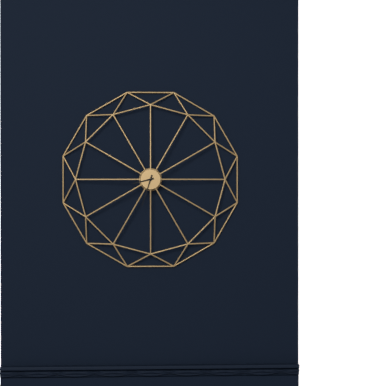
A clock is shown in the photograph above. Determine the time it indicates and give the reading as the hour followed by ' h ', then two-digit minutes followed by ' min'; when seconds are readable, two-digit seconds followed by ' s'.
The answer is 8 h 33 min
